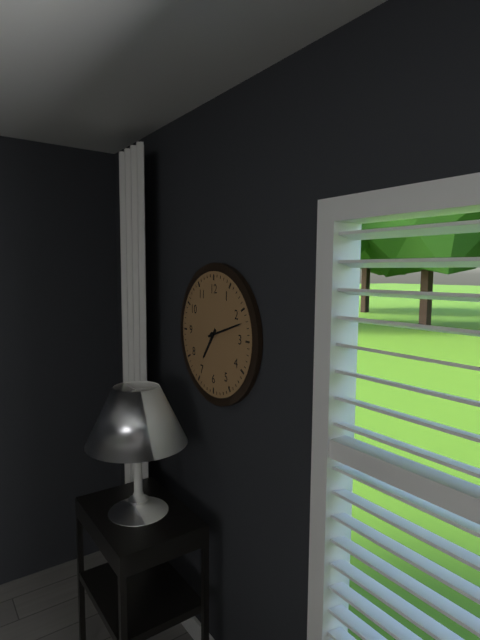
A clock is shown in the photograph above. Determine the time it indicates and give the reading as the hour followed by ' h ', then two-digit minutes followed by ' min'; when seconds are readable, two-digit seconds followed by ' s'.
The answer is 7 h 12 min
